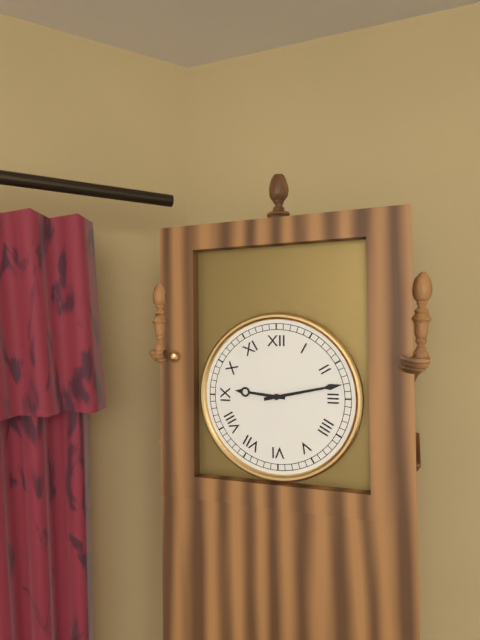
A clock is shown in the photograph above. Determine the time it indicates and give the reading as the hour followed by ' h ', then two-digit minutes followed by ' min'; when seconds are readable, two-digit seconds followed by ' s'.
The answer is 9 h 13 min
